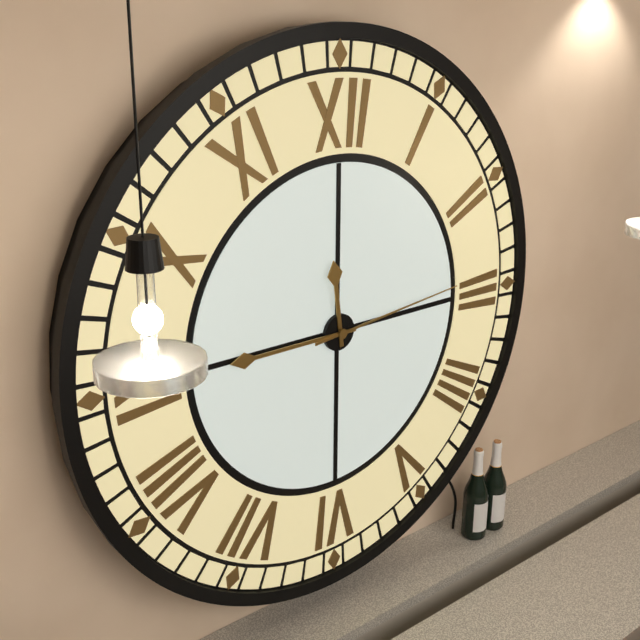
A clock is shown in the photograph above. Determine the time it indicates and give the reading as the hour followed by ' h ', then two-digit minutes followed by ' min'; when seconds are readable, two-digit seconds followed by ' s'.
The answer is 11 h 45 min 14 s
